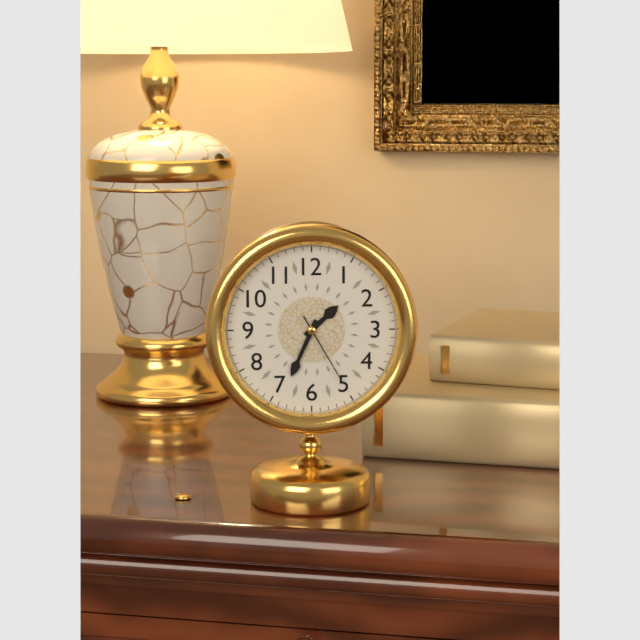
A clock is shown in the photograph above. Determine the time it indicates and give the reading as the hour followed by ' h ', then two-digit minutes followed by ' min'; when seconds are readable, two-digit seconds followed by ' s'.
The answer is 1 h 34 min 25 s
